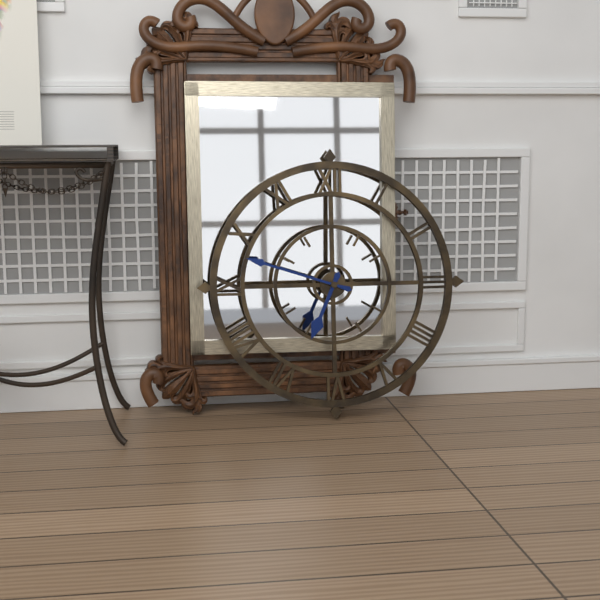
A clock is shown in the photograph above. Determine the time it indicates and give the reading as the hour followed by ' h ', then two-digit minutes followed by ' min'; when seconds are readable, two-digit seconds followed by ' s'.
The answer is 6 h 48 min
